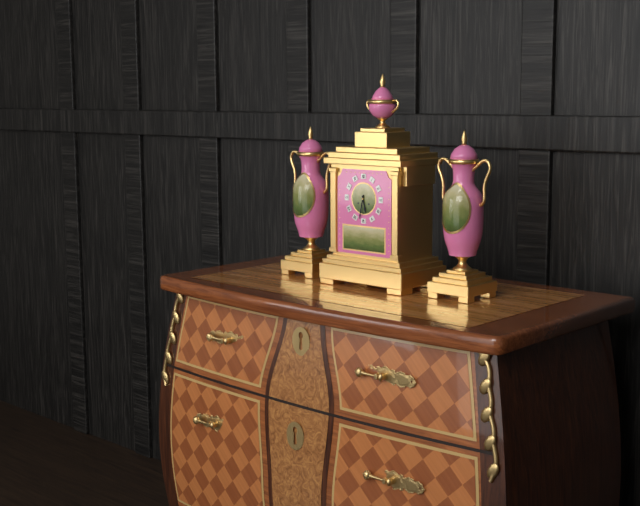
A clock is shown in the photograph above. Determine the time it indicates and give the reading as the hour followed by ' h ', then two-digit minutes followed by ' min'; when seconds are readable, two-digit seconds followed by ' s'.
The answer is 5 h 32 min
